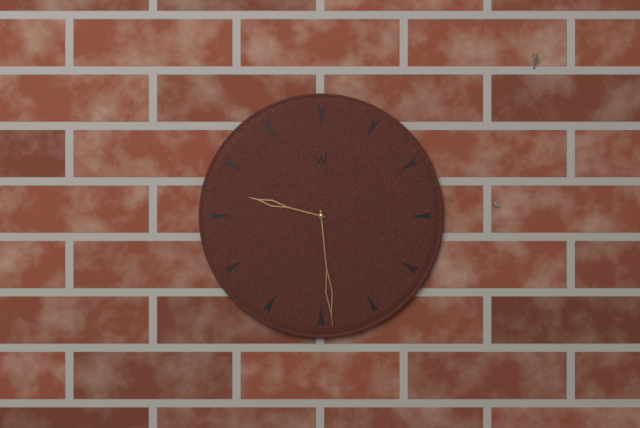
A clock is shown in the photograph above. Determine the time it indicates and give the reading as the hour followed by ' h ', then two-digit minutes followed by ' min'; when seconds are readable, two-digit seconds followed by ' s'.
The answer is 9 h 29 min
